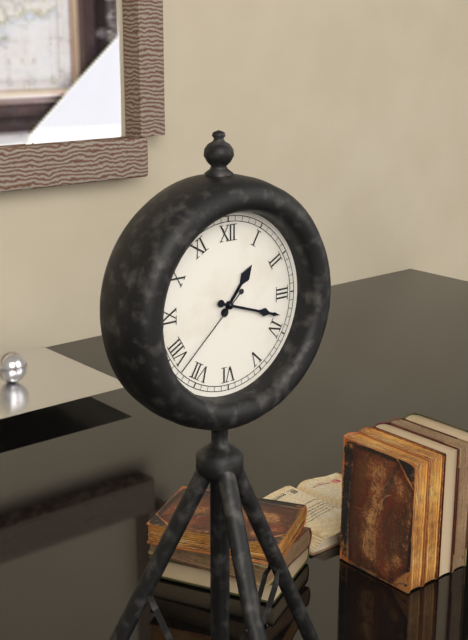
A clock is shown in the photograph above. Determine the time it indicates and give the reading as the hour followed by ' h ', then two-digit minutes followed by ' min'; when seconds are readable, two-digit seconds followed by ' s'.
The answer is 1 h 18 min 38 s
